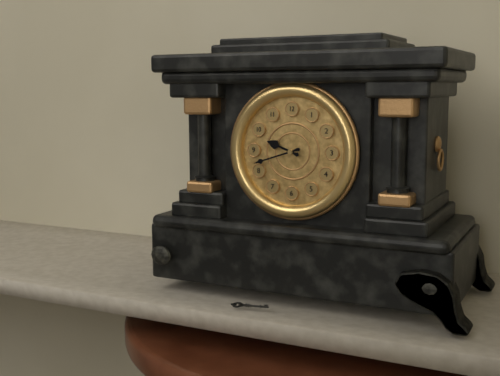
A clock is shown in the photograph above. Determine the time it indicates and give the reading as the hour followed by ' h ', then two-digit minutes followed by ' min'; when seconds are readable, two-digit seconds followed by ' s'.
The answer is 9 h 42 min
